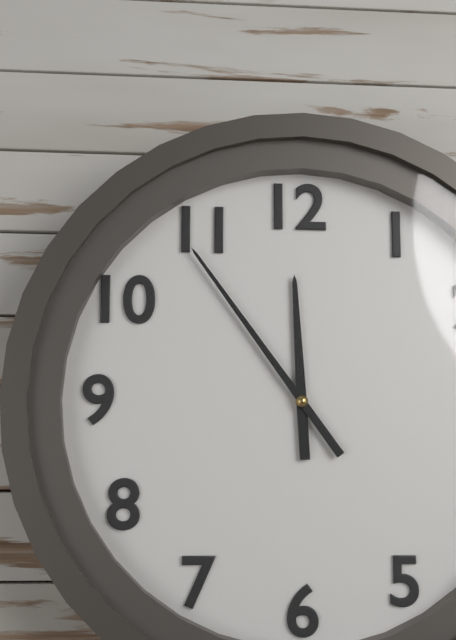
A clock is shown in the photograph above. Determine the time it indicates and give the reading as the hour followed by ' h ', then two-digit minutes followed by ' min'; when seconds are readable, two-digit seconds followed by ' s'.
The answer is 11 h 54 min
